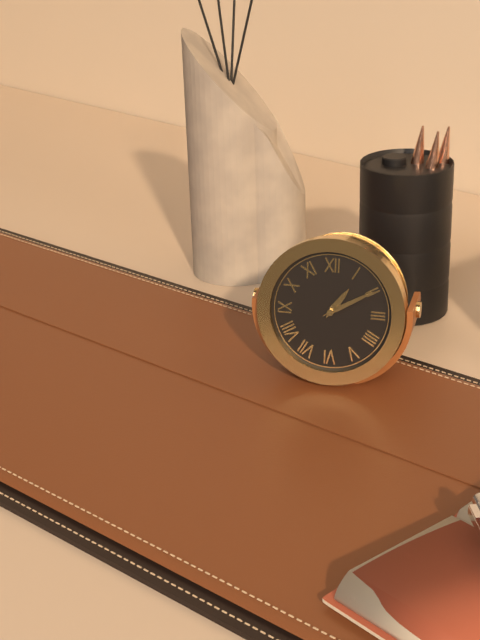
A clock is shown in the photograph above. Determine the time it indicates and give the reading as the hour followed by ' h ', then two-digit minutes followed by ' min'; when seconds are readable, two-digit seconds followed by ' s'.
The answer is 1 h 10 min
